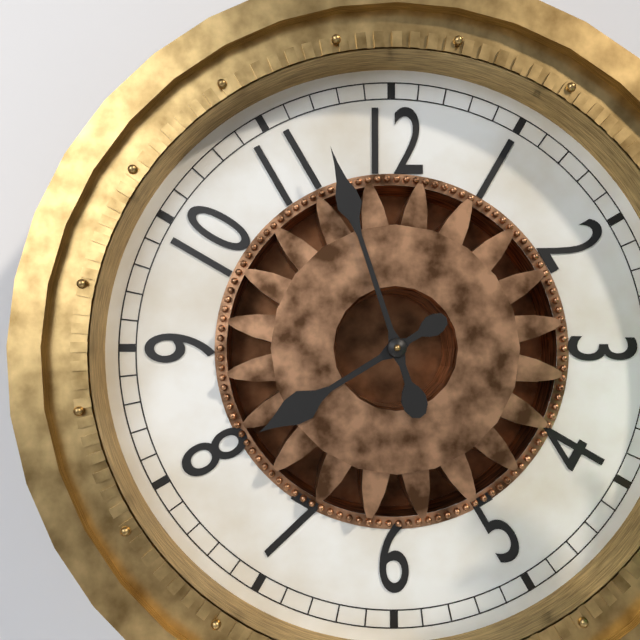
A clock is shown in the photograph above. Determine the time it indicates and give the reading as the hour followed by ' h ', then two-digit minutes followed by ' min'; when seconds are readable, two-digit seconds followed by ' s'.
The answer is 7 h 57 min
